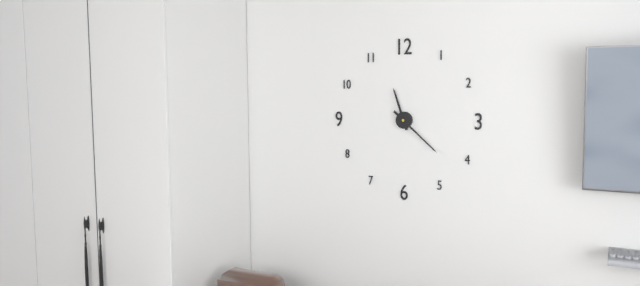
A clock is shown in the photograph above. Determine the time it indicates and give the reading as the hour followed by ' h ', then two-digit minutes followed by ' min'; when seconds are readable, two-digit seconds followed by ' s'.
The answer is 11 h 22 min
